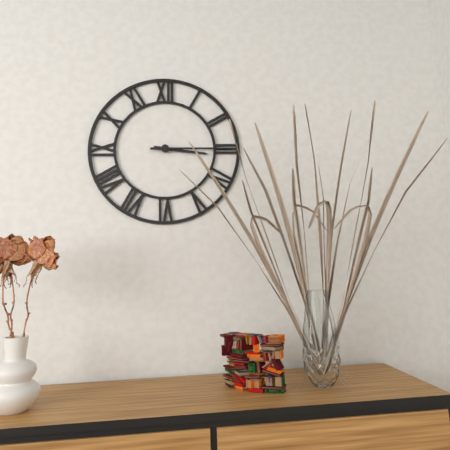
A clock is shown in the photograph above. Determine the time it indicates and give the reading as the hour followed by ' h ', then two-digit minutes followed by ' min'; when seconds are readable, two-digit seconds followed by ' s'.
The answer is 3 h 15 min
